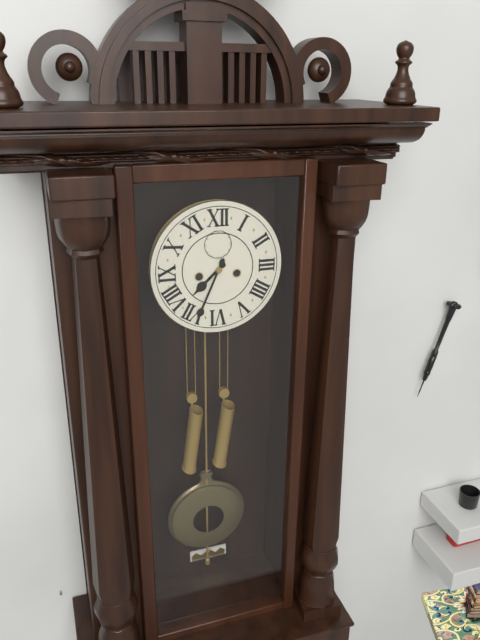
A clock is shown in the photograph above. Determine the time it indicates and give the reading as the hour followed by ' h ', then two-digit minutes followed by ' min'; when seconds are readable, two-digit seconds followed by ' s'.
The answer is 7 h 34 min
